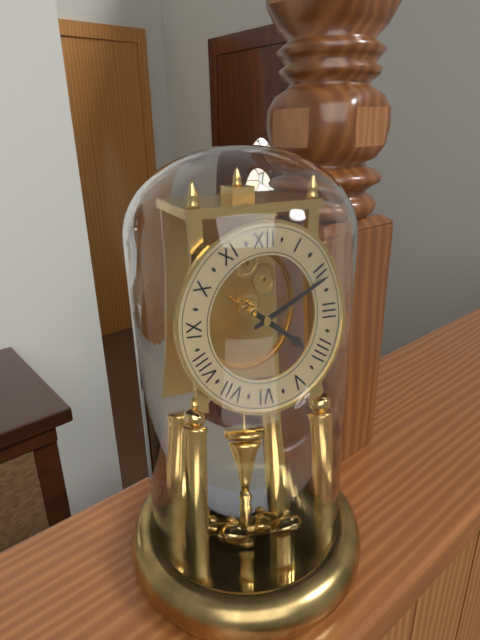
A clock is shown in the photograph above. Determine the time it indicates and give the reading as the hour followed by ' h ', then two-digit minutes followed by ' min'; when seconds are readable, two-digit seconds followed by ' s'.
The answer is 4 h 11 min
